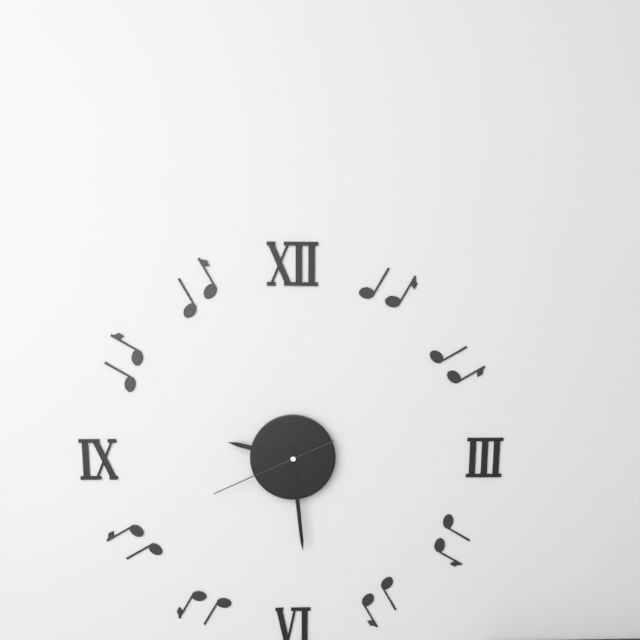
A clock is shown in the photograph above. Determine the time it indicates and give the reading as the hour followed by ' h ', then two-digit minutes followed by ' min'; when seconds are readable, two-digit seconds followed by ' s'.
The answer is 9 h 29 min 41 s
